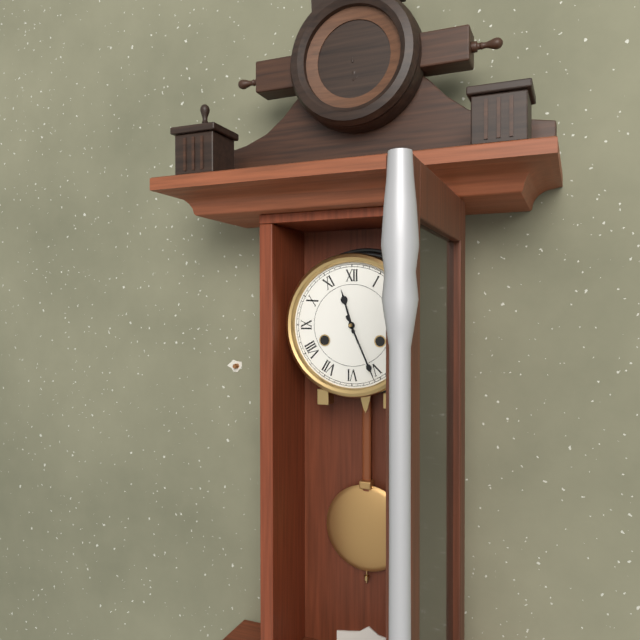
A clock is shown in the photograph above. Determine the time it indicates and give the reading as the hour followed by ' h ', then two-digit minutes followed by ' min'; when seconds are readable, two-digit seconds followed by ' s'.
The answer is 11 h 26 min
